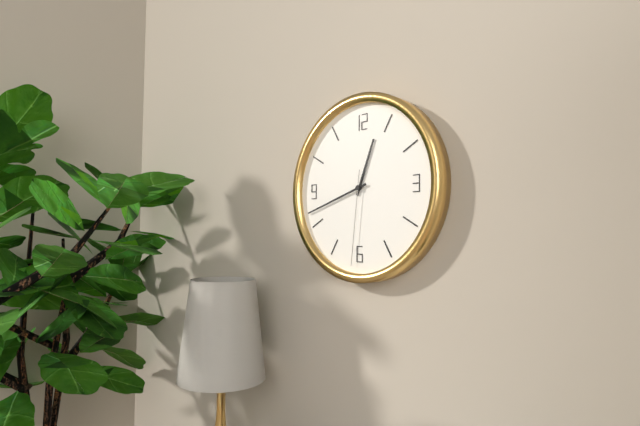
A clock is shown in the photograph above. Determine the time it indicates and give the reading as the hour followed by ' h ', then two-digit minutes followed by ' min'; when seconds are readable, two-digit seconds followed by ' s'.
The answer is 12 h 42 min 31 s
